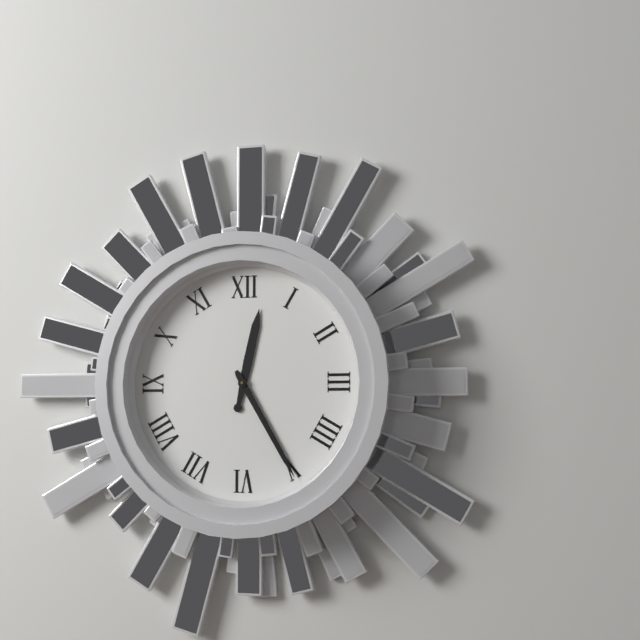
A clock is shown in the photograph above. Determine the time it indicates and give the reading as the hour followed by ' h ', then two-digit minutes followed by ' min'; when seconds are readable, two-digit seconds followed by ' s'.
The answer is 12 h 25 min
